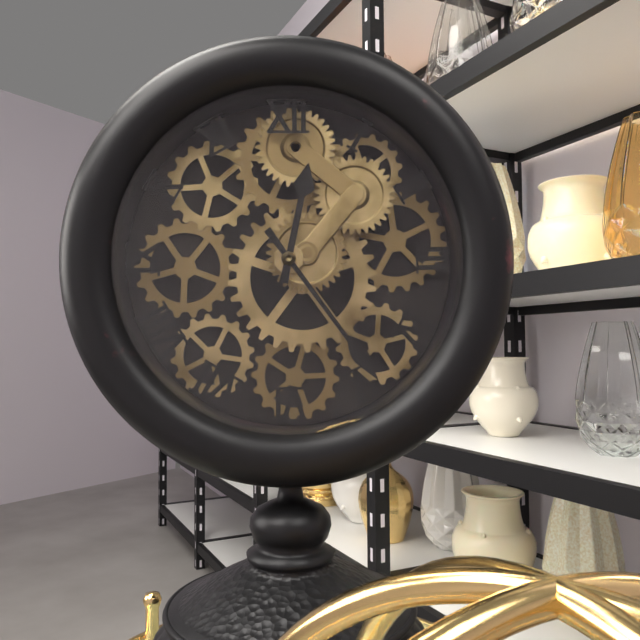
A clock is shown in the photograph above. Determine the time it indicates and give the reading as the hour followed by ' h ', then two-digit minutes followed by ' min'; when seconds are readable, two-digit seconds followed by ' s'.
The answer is 12 h 24 min
